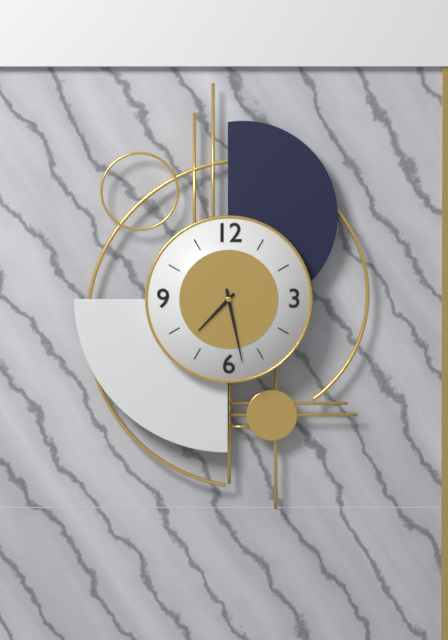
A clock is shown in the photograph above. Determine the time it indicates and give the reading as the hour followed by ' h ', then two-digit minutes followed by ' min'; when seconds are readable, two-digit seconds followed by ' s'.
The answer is 7 h 28 min
